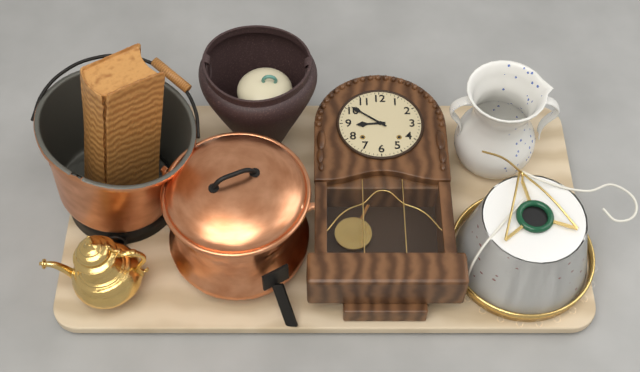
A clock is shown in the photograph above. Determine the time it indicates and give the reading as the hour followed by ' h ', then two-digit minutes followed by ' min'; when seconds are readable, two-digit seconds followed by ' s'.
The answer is 8 h 51 min
